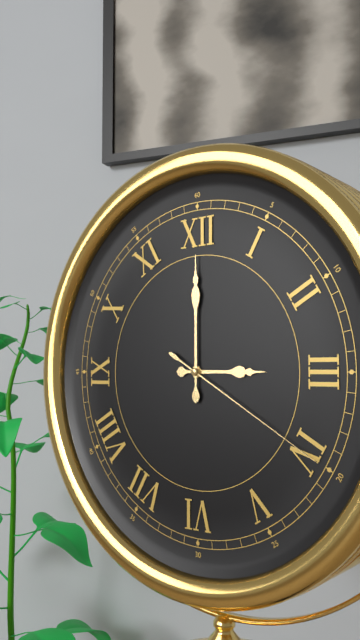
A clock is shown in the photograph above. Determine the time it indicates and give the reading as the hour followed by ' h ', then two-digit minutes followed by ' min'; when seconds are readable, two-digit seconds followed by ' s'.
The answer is 3 h 00 min 20 s
